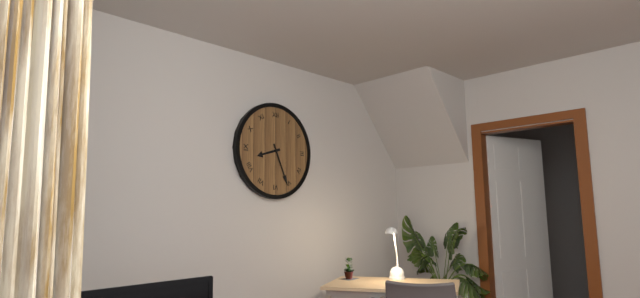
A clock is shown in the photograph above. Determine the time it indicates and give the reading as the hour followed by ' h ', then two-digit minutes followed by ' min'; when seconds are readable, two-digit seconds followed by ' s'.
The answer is 8 h 26 min
